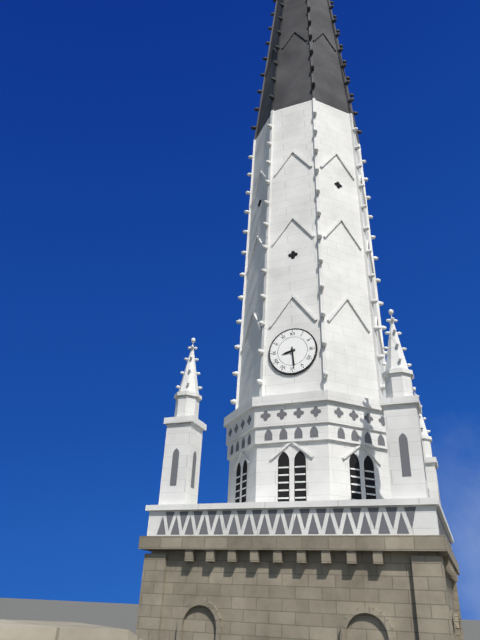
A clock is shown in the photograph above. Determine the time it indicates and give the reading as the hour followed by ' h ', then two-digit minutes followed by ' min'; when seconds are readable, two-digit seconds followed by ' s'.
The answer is 8 h 29 min
